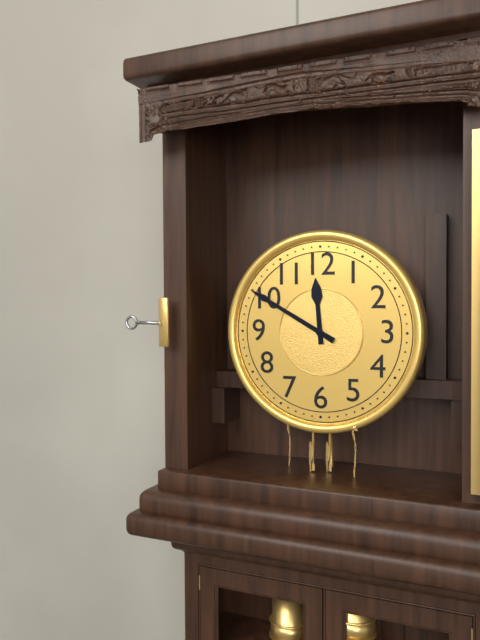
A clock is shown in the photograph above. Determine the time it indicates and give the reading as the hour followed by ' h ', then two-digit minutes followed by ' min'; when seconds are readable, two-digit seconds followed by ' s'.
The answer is 11 h 50 min
